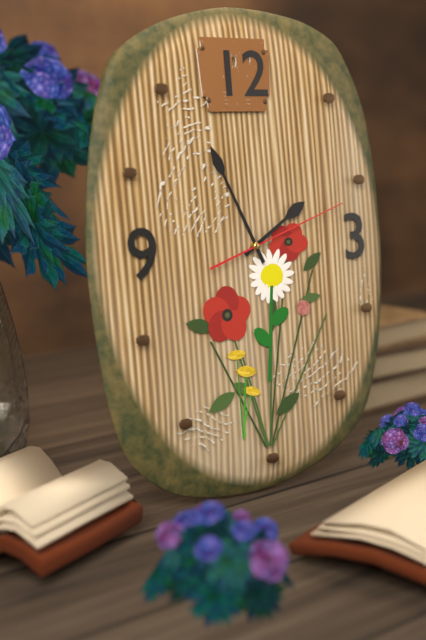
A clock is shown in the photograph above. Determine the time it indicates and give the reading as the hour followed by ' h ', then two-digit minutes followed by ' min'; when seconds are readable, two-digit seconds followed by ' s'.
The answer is 1 h 56 min 12 s
